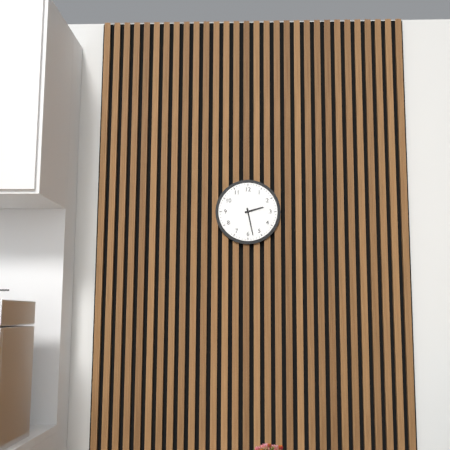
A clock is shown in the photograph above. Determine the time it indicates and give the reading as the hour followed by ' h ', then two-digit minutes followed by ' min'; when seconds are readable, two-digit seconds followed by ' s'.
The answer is 2 h 28 min
